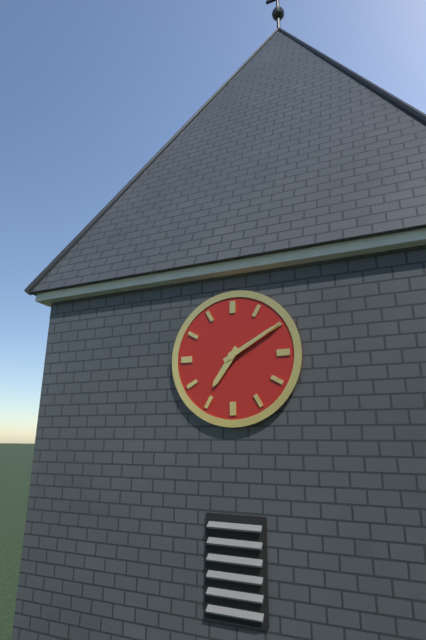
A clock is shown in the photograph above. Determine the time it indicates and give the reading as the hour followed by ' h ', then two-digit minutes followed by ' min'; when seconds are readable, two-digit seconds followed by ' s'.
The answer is 7 h 10 min
